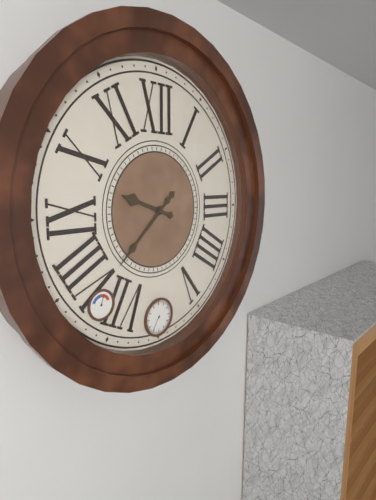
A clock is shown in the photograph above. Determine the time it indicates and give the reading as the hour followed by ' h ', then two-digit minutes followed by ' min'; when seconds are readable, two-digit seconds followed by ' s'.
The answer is 9 h 38 min
